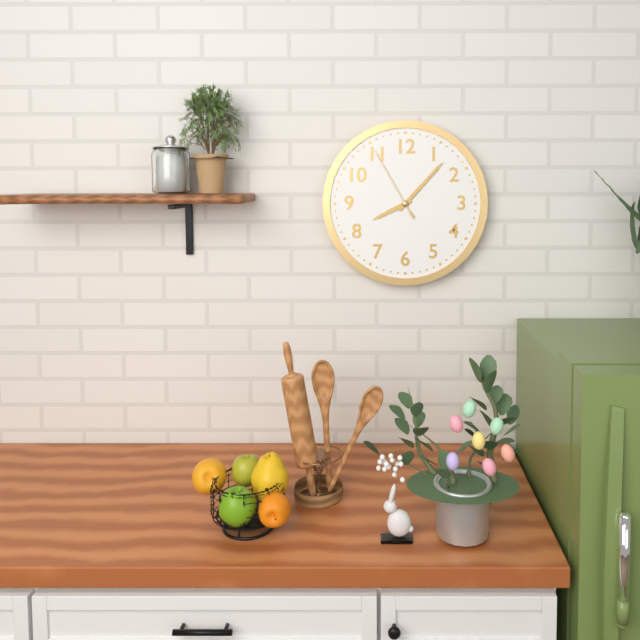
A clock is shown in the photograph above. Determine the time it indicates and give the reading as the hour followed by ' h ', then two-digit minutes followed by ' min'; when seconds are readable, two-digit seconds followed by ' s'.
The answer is 8 h 07 min 55 s
